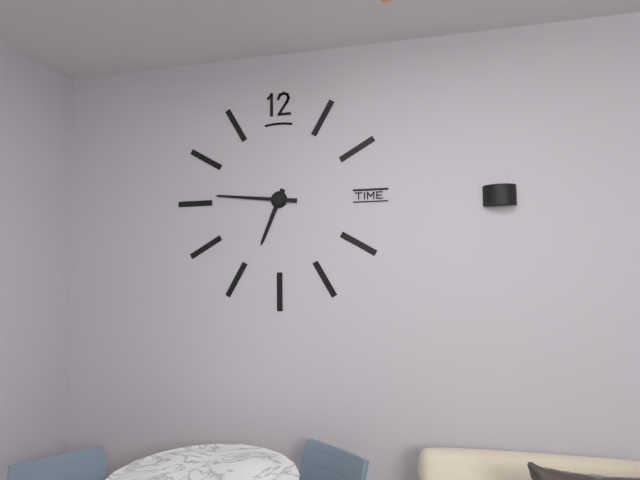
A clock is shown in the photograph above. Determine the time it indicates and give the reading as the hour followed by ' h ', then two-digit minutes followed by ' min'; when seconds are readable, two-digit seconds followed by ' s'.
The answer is 6 h 46 min
